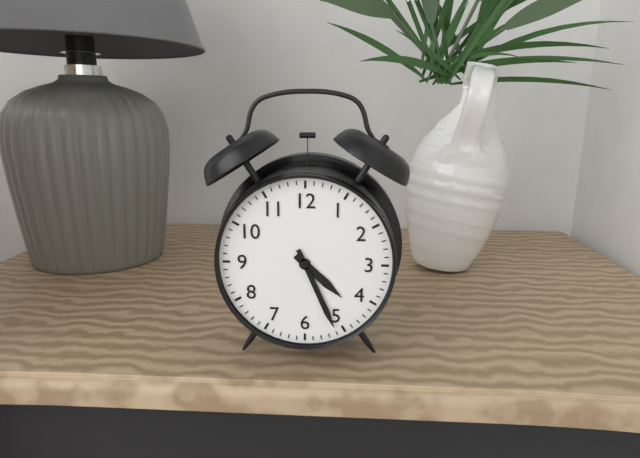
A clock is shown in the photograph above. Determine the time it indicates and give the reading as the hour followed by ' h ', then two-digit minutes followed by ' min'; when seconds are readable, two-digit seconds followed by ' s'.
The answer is 4 h 26 min
